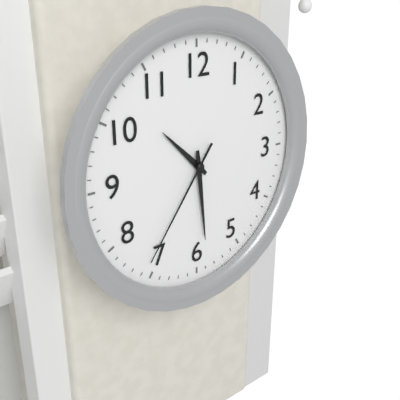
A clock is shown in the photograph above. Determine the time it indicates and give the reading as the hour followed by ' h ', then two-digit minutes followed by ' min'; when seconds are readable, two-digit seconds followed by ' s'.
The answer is 10 h 29 min 36 s
